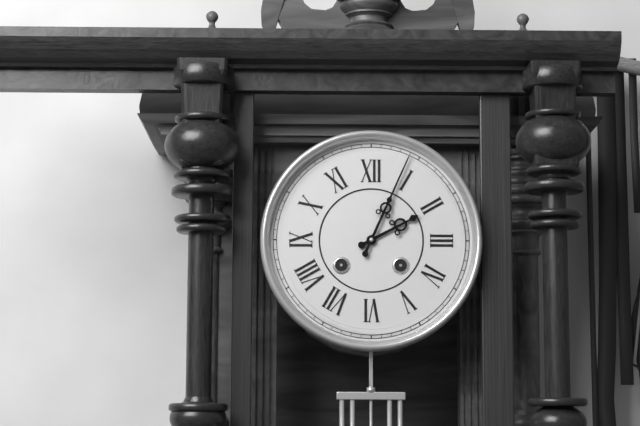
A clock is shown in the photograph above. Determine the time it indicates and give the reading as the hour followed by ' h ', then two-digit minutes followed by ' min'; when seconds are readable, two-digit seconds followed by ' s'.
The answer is 2 h 04 min
